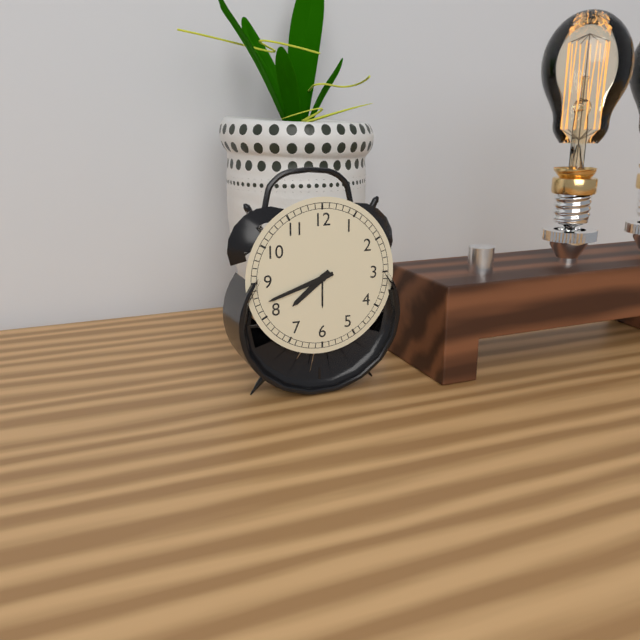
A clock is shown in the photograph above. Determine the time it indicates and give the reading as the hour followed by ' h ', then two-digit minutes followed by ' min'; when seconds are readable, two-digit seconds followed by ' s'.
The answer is 7 h 42 min
